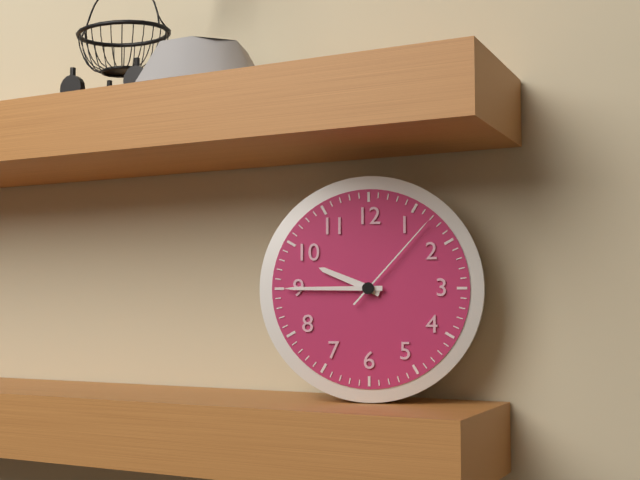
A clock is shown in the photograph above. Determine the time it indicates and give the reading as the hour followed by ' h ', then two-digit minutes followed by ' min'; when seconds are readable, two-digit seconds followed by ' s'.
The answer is 9 h 45 min 07 s
